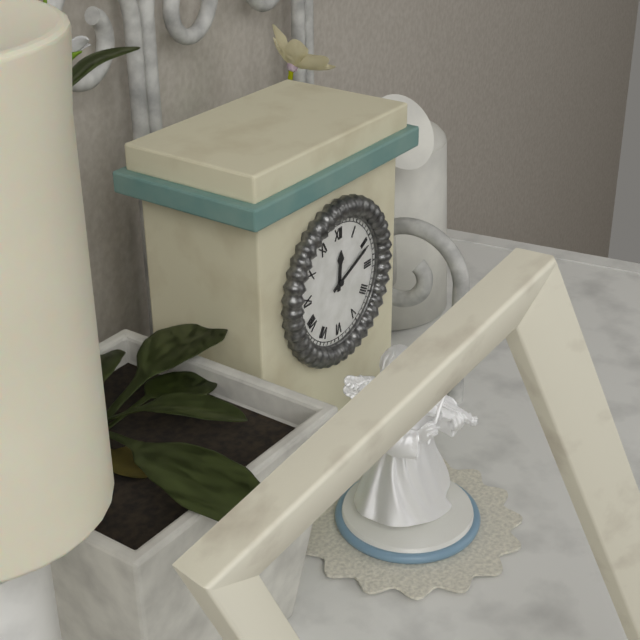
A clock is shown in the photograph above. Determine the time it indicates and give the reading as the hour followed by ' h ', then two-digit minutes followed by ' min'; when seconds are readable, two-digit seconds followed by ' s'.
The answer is 12 h 11 min
